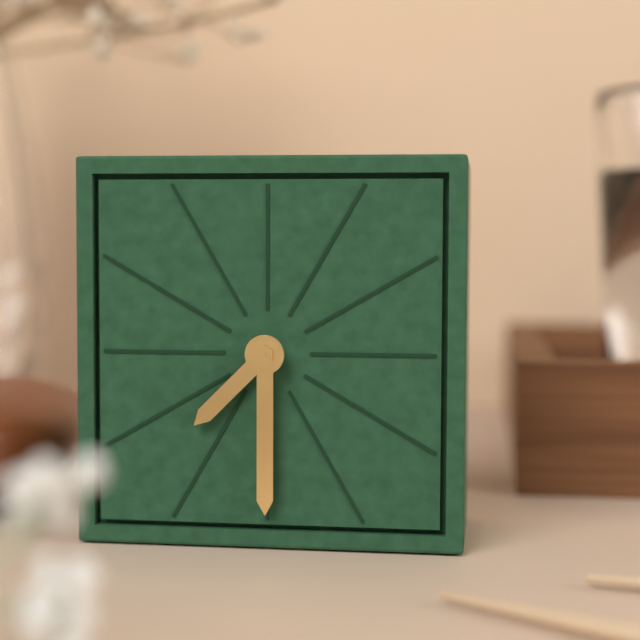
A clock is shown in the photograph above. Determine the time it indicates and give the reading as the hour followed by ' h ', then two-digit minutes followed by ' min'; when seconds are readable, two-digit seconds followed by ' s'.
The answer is 7 h 30 min
